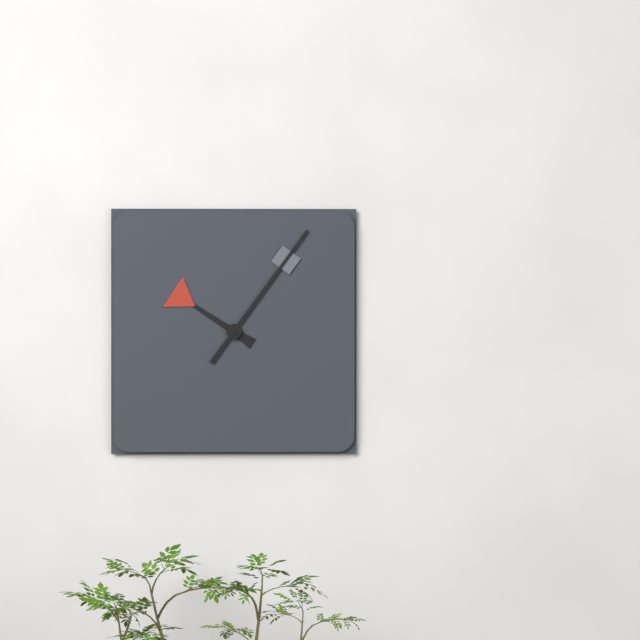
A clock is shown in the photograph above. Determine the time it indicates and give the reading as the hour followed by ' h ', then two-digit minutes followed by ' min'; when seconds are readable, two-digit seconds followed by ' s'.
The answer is 10 h 06 min
